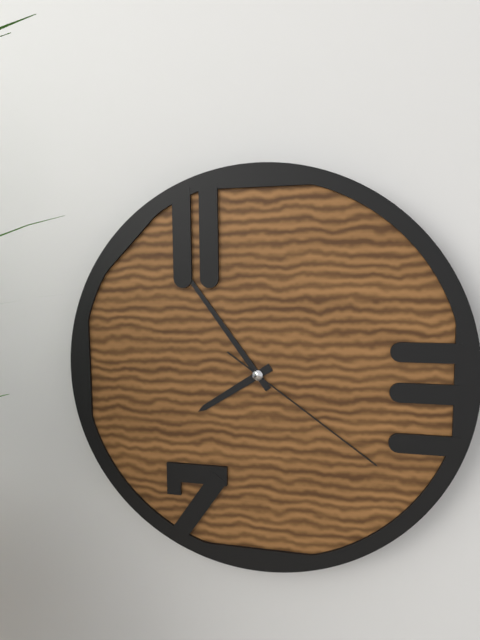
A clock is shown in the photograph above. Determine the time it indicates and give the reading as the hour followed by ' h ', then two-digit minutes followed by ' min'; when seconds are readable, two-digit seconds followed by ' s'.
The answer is 7 h 54 min 21 s
